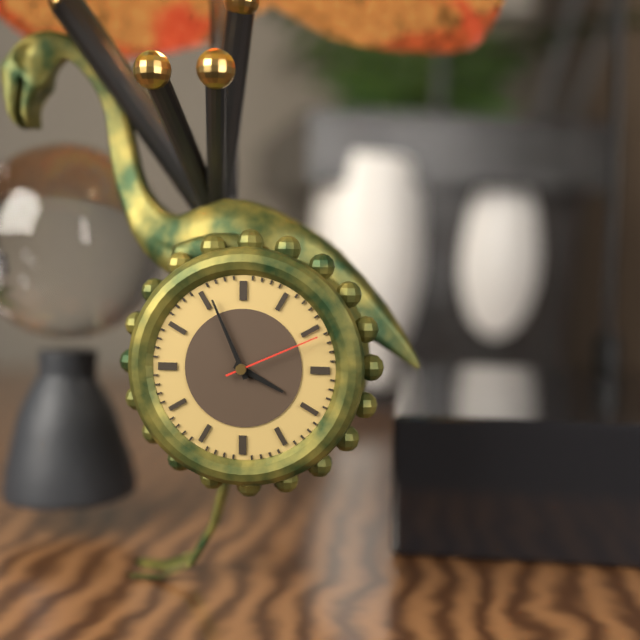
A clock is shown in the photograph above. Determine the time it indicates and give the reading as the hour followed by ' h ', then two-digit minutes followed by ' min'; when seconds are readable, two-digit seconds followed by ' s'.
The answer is 3 h 56 min 11 s
